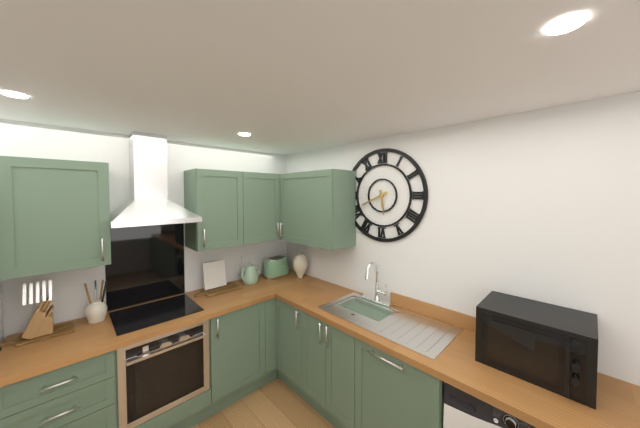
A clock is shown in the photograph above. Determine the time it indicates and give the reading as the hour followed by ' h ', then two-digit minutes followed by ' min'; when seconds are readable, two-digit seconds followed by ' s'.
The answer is 5 h 41 min
